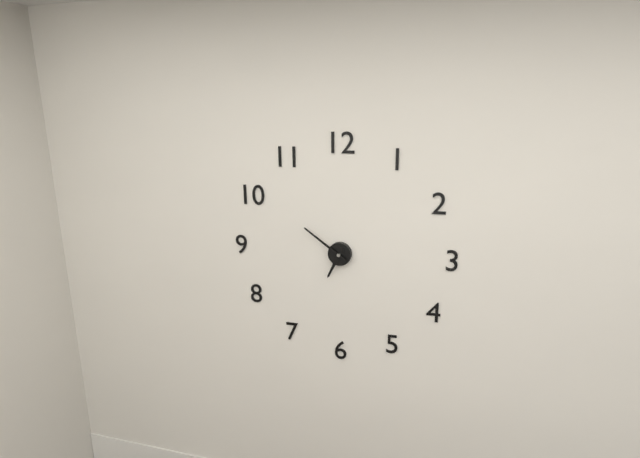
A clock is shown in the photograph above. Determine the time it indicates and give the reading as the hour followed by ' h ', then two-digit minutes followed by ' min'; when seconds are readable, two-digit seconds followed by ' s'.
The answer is 6 h 51 min
